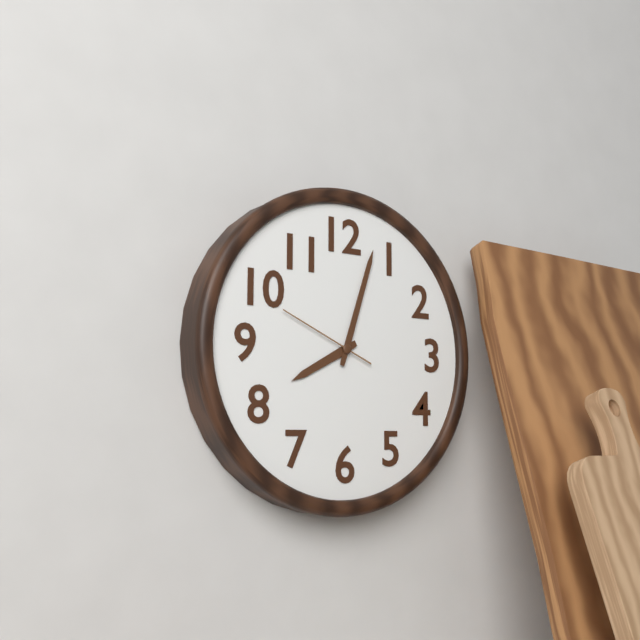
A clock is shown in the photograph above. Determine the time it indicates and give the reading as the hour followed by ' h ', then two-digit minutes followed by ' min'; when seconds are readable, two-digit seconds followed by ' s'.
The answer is 8 h 03 min 49 s
